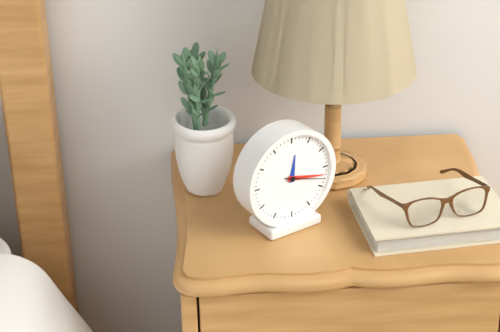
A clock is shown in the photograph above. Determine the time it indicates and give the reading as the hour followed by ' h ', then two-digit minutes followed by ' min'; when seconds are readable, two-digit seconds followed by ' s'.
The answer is 12 h 17 min
